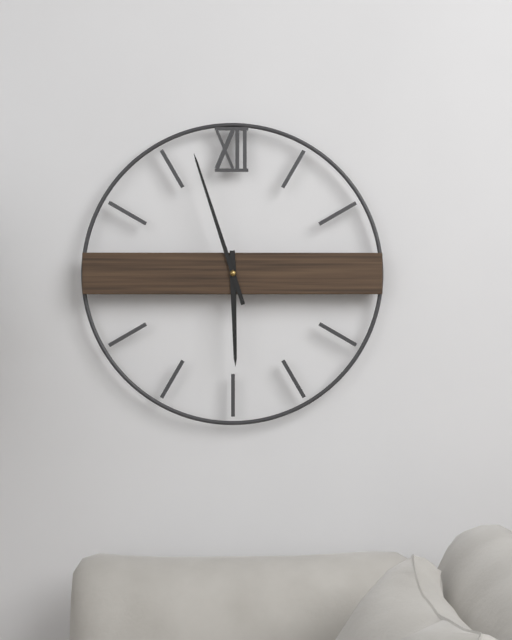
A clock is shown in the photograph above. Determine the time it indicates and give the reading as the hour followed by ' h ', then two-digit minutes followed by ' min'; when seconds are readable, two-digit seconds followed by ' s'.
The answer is 5 h 57 min
